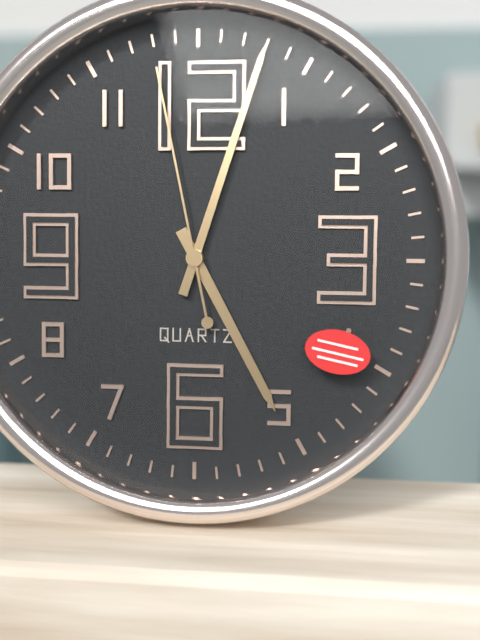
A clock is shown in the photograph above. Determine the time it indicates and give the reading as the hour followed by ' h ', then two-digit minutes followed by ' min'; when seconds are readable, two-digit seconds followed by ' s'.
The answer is 5 h 03 min 58 s
